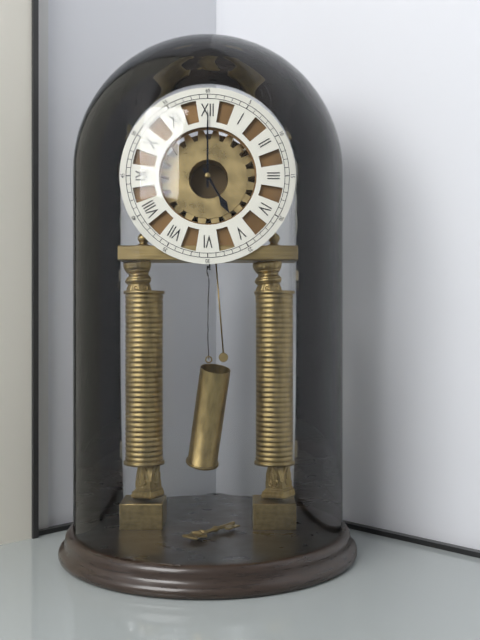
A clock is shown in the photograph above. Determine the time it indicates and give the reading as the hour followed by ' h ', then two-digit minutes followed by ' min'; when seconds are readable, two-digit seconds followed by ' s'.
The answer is 5 h 00 min
